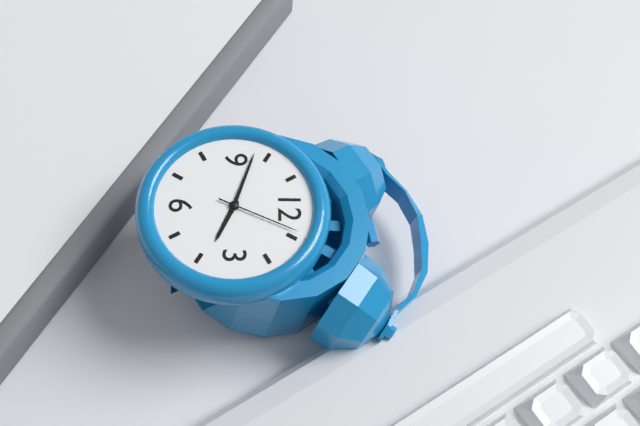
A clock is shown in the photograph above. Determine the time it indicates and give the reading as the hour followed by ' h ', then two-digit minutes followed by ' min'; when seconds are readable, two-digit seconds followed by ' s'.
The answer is 3 h 48 min 04 s
